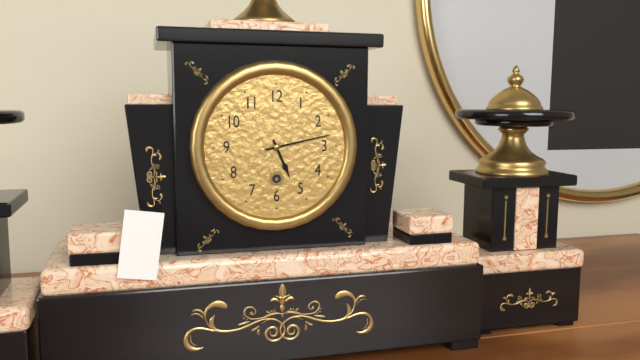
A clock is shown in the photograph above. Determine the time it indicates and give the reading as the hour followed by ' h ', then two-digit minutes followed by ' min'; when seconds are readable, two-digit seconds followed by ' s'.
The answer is 5 h 13 min
